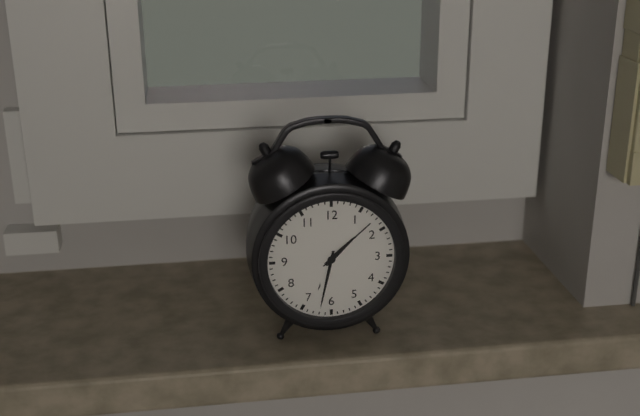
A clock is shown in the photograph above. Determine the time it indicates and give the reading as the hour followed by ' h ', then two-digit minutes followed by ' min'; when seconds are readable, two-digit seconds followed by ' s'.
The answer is 1 h 32 min
